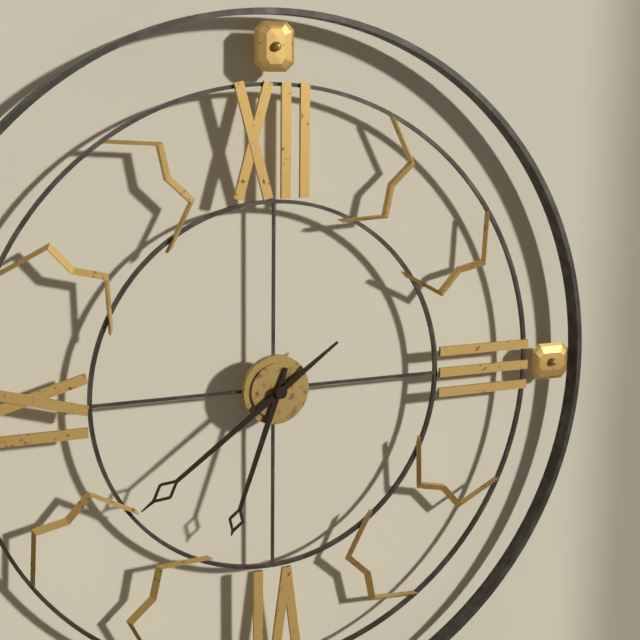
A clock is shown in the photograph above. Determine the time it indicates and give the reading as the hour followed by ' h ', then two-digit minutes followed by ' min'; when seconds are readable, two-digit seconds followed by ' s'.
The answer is 6 h 39 min
